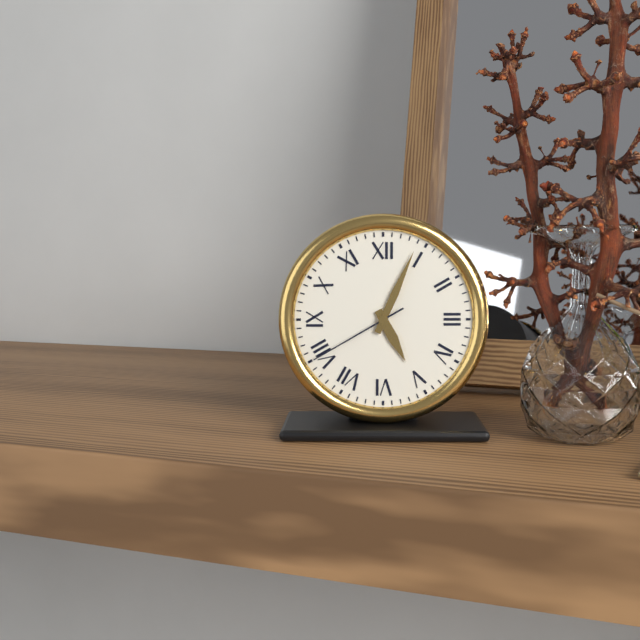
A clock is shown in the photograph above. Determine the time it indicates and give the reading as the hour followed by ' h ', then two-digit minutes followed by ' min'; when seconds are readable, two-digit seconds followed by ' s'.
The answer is 5 h 04 min 40 s
